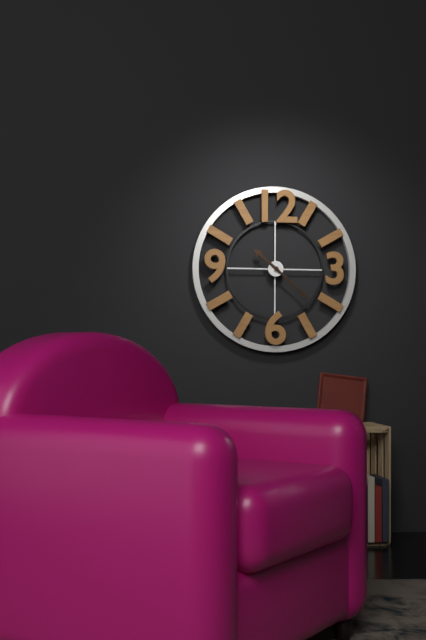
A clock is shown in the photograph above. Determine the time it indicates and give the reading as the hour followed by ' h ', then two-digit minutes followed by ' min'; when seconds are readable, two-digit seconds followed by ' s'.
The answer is 10 h 22 min
